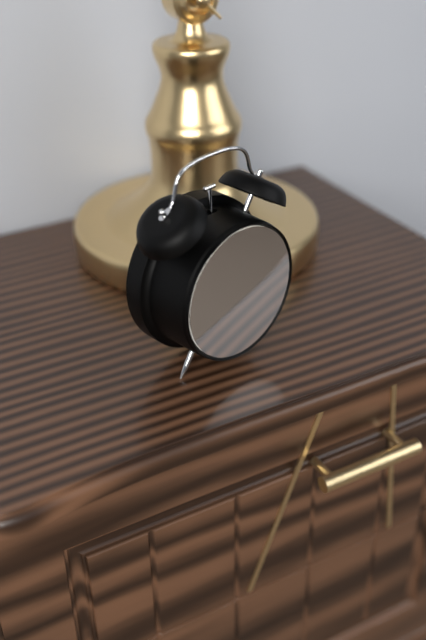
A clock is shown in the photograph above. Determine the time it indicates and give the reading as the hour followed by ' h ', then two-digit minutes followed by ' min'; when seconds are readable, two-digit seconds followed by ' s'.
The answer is 10 h 55 min
